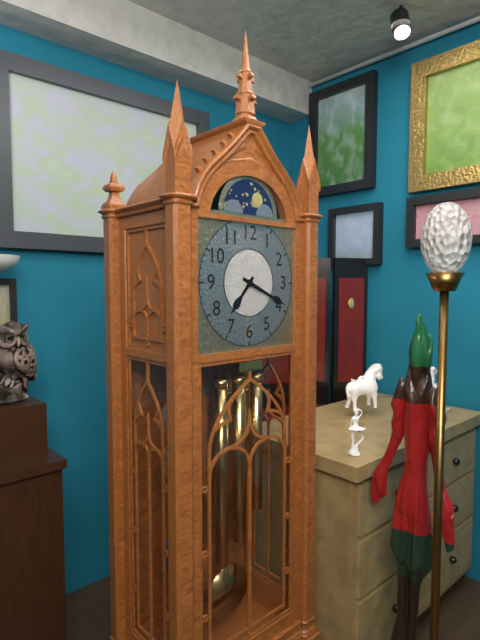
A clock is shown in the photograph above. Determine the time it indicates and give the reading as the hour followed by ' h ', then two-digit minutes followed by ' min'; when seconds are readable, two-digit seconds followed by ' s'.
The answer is 7 h 19 min
